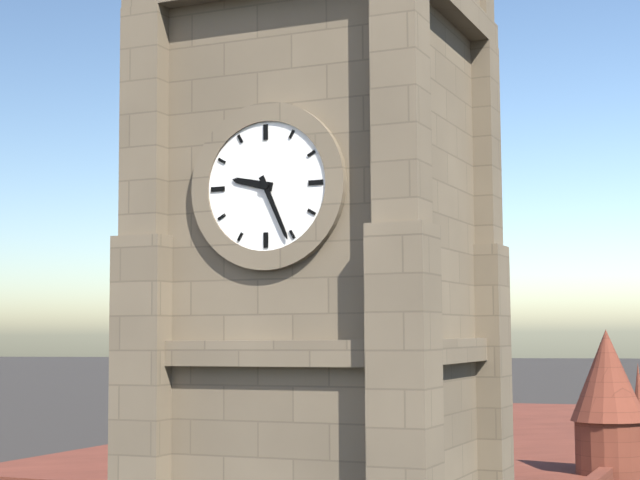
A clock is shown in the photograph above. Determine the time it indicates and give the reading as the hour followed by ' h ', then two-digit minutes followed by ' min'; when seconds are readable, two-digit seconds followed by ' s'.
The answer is 9 h 26 min
